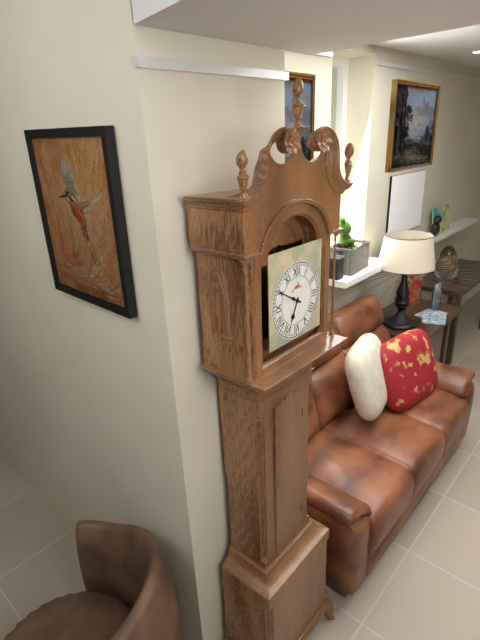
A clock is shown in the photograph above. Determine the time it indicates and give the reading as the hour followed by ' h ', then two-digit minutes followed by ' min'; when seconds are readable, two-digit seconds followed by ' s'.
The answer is 6 h 50 min
